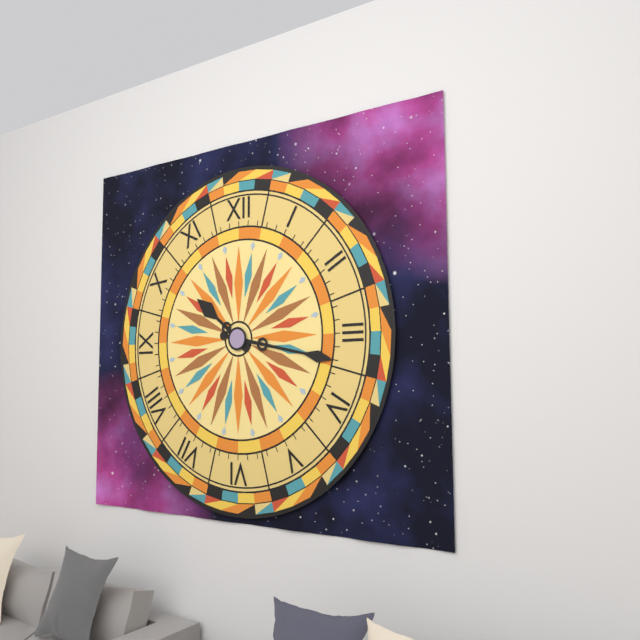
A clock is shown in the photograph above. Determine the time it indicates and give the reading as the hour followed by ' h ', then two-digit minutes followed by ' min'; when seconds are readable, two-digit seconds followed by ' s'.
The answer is 10 h 17 min
